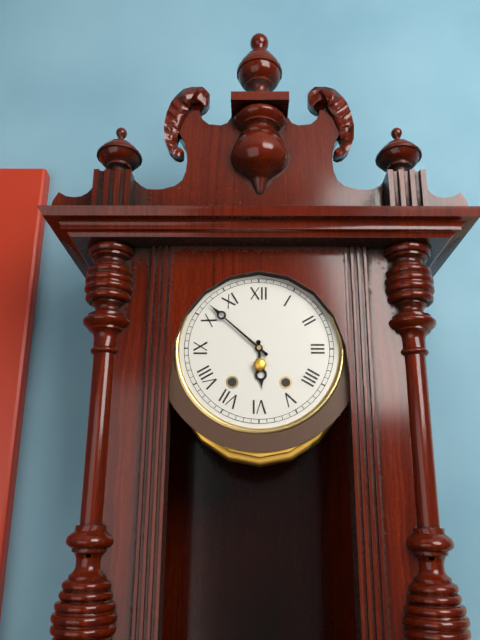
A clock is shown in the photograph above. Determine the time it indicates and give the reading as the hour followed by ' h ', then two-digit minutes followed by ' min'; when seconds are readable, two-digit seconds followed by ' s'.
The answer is 5 h 52 min
